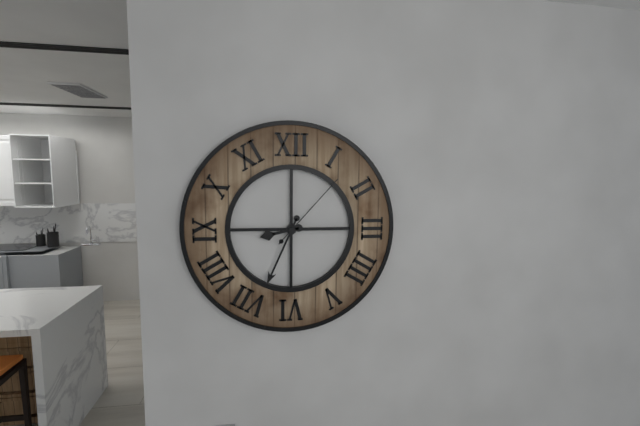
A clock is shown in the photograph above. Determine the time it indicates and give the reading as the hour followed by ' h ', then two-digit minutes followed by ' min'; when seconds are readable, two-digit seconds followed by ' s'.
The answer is 8 h 34 min 07 s
